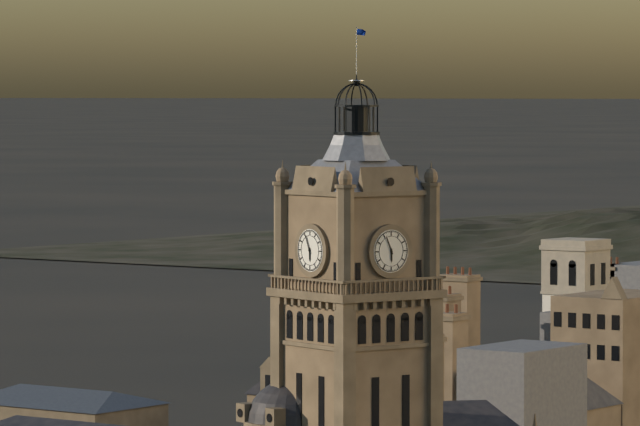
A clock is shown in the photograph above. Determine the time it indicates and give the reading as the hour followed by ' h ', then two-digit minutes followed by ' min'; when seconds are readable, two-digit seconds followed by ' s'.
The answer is 5 h 56 min
